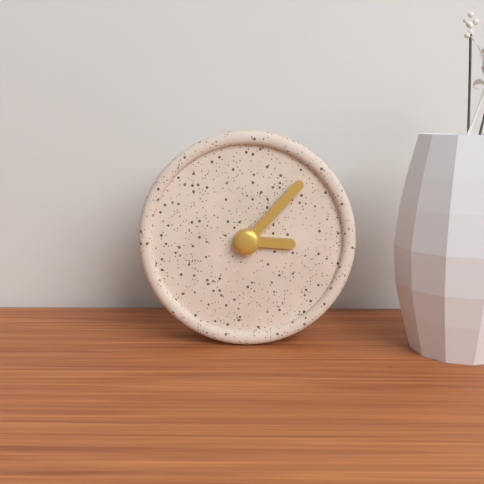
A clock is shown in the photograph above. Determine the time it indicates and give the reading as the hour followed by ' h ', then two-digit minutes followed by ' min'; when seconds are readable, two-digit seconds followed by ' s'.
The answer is 3 h 07 min
